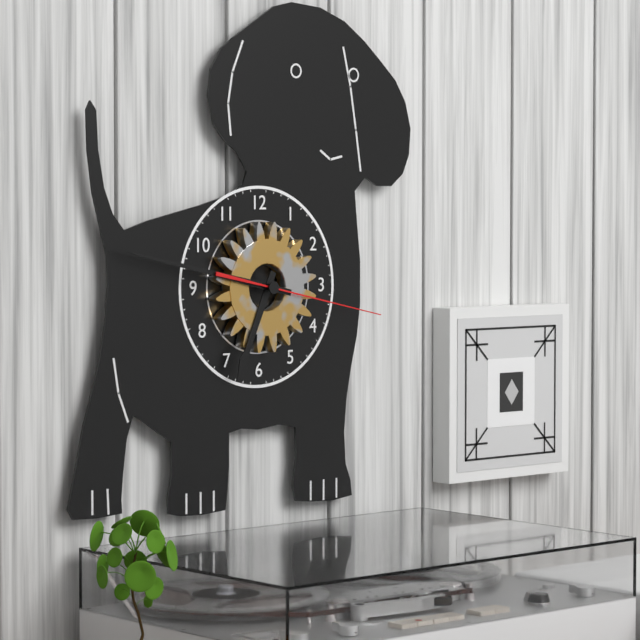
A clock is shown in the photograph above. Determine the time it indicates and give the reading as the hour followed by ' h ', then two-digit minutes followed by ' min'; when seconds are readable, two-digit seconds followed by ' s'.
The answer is 6 h 47 min 17 s
